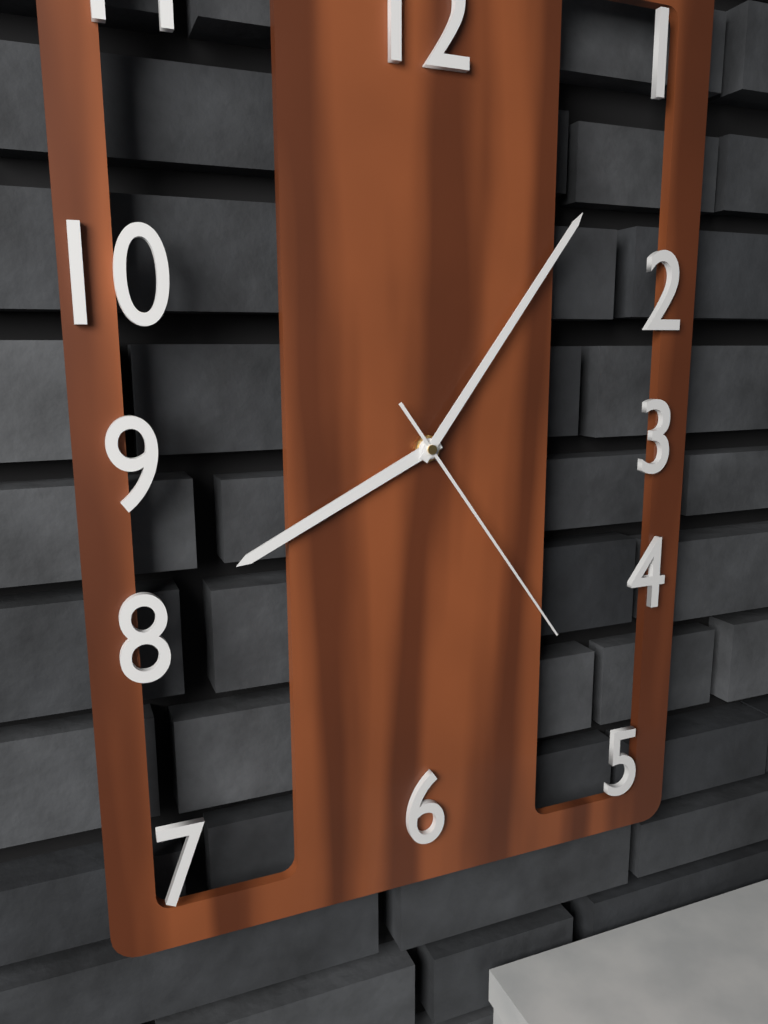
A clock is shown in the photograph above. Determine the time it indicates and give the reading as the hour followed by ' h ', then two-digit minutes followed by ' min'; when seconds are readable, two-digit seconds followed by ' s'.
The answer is 8 h 06 min 24 s
